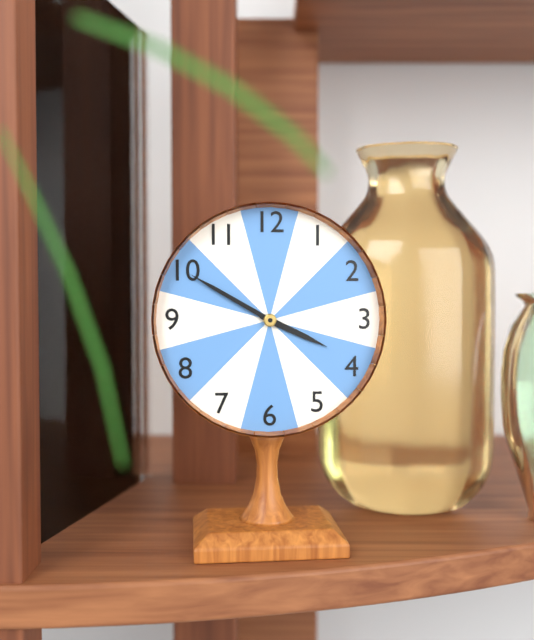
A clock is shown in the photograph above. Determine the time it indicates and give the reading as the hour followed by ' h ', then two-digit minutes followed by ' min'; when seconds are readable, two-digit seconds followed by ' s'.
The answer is 3 h 50 min
